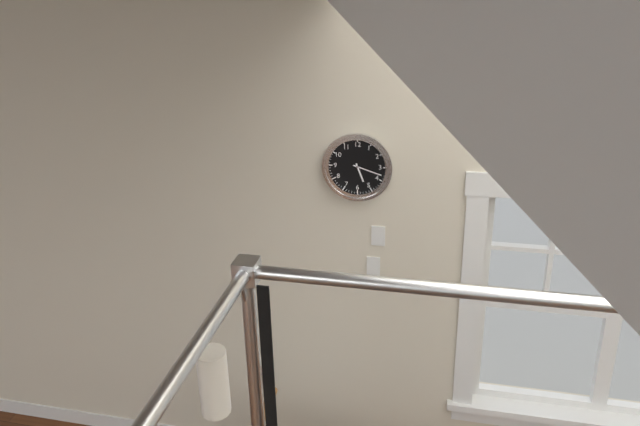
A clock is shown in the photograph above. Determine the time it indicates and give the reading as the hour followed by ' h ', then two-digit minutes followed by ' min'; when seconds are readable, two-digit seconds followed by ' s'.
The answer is 5 h 18 min
